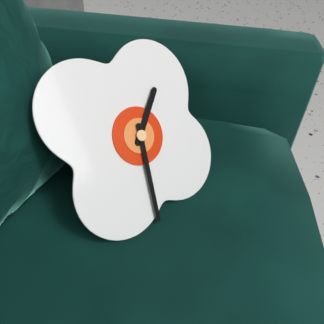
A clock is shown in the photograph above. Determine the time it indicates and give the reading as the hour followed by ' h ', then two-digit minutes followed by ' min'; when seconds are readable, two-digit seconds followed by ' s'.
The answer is 1 h 32 min
